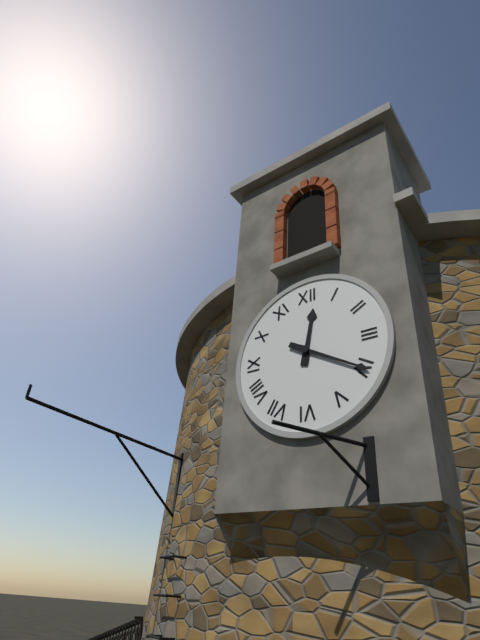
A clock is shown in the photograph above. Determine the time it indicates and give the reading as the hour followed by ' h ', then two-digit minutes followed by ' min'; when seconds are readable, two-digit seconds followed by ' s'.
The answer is 12 h 20 min
